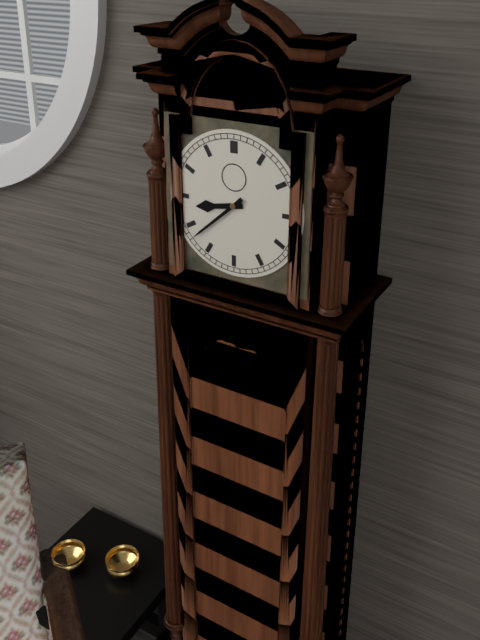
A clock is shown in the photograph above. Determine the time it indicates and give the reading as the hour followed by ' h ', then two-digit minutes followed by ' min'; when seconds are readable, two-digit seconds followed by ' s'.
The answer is 8 h 38 min
